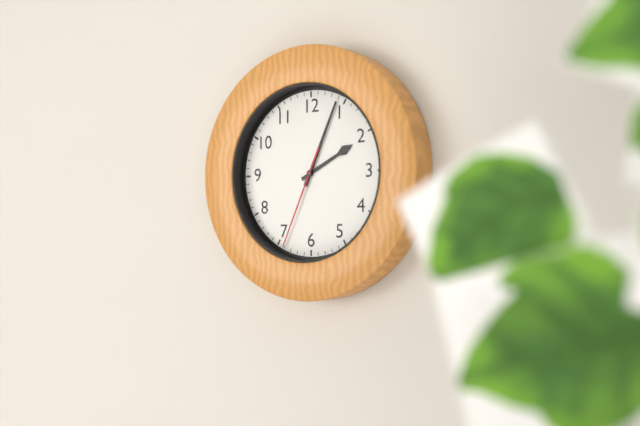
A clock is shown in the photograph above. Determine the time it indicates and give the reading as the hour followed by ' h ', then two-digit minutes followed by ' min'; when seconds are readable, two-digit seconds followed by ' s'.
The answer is 2 h 04 min 34 s
